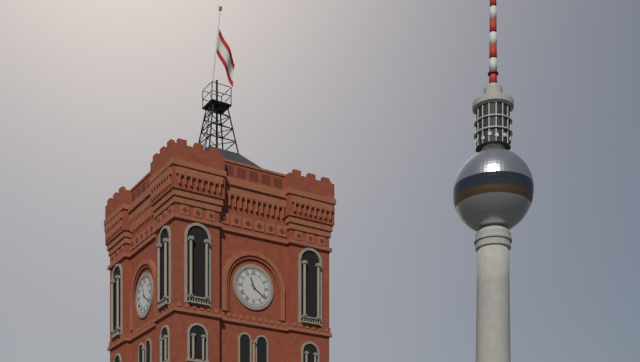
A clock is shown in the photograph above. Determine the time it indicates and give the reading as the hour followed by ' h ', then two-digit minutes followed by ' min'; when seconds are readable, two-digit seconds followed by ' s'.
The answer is 11 h 21 min
